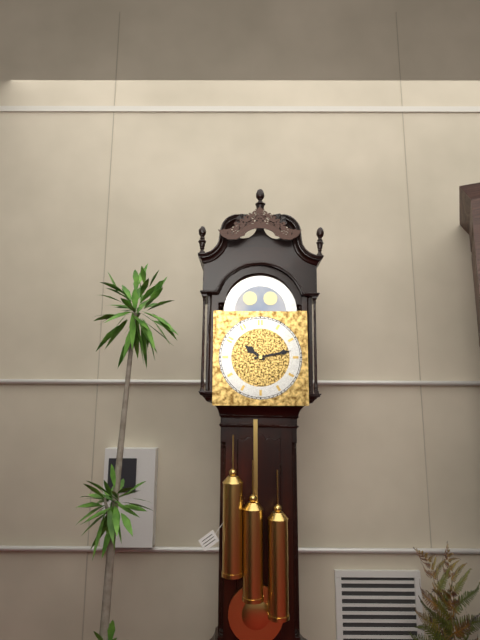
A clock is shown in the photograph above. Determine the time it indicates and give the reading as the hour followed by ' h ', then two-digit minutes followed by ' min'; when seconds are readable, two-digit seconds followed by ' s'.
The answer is 10 h 13 min
